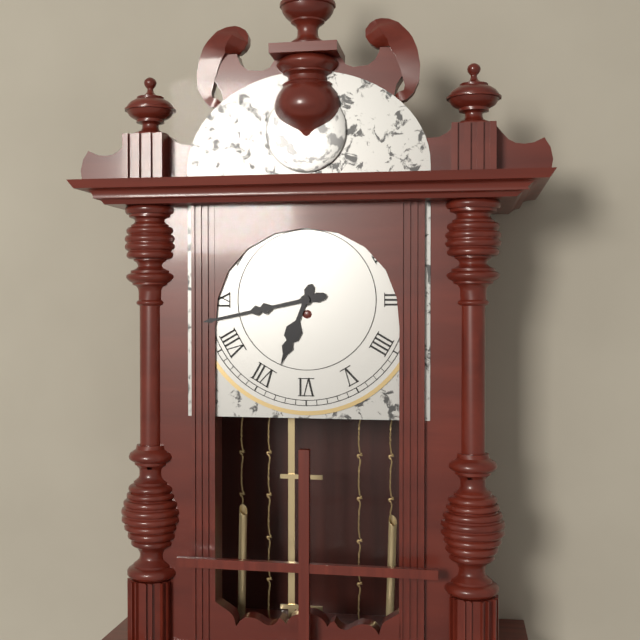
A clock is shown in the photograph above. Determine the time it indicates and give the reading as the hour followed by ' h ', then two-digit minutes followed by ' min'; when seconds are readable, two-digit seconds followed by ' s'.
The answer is 6 h 43 min
